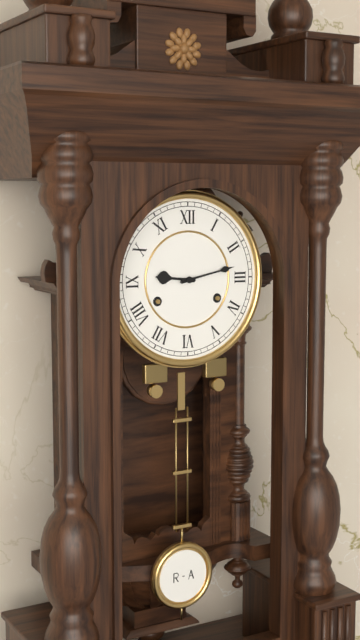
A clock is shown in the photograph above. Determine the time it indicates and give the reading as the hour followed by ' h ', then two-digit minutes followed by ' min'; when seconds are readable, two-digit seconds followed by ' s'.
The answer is 9 h 13 min
